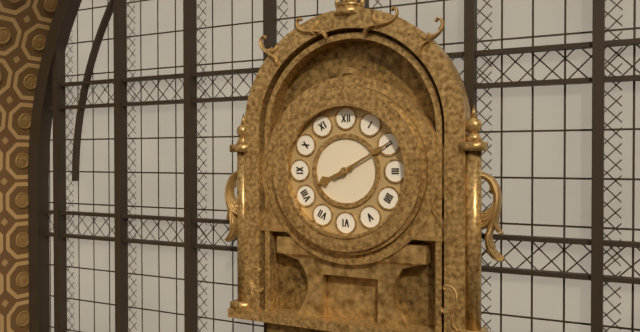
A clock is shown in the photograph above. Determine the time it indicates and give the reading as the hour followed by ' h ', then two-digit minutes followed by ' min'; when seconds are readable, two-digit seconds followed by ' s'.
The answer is 8 h 10 min
